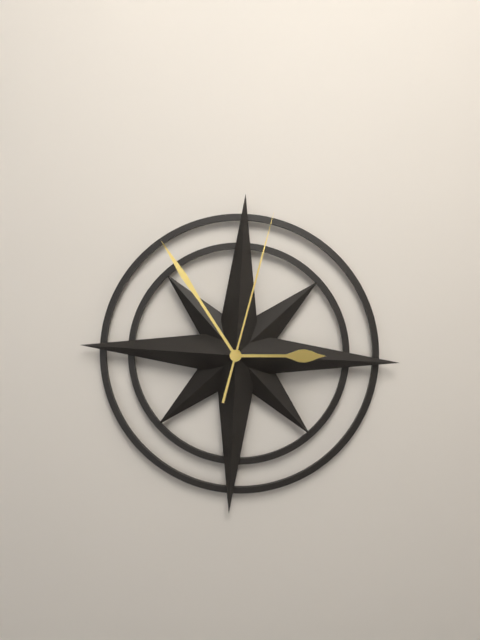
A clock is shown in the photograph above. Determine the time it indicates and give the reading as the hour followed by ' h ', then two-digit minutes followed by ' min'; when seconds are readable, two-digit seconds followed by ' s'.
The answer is 2 h 54 min 02 s
